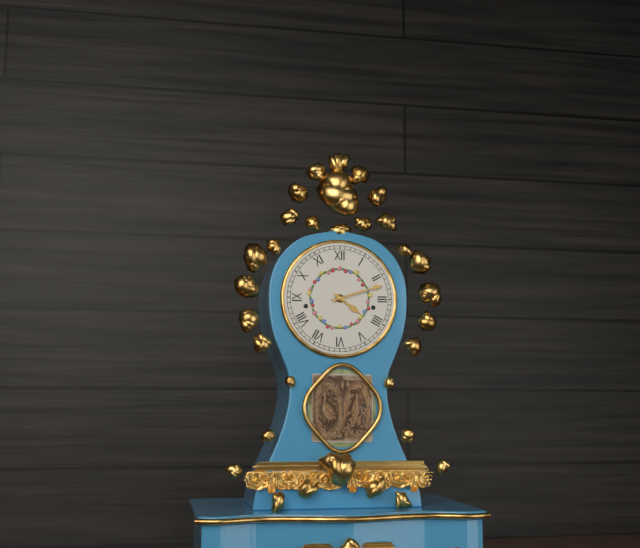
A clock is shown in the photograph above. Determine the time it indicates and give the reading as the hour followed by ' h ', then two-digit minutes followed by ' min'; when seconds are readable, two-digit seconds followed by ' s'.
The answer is 4 h 12 min
